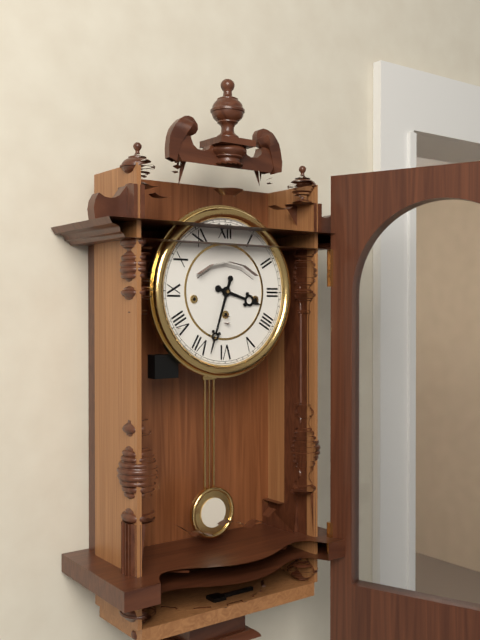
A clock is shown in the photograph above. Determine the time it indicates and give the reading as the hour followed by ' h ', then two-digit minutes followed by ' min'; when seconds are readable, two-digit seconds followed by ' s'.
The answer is 3 h 33 min
